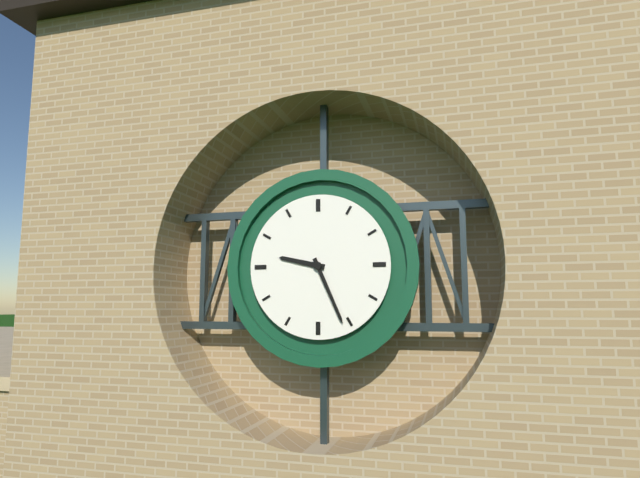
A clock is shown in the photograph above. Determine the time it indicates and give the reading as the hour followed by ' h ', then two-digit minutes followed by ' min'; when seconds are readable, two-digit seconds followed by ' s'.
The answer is 9 h 26 min
